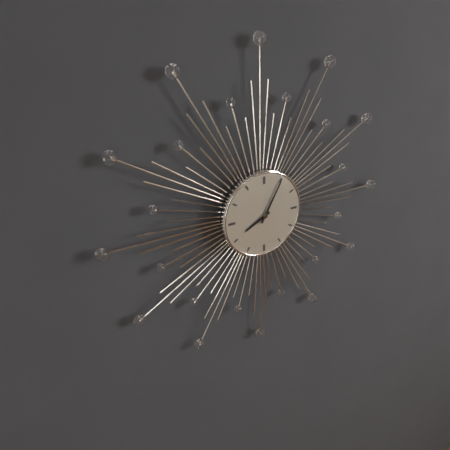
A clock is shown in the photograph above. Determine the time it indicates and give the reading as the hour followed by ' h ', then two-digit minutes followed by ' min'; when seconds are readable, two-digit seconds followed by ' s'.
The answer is 8 h 05 min
